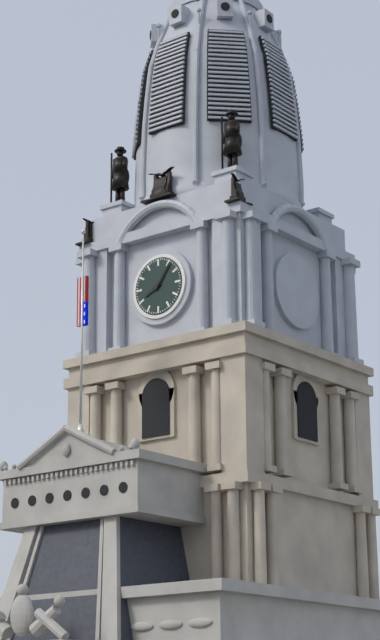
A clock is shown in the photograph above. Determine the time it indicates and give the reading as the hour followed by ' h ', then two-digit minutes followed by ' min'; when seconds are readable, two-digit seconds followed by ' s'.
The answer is 8 h 06 min
